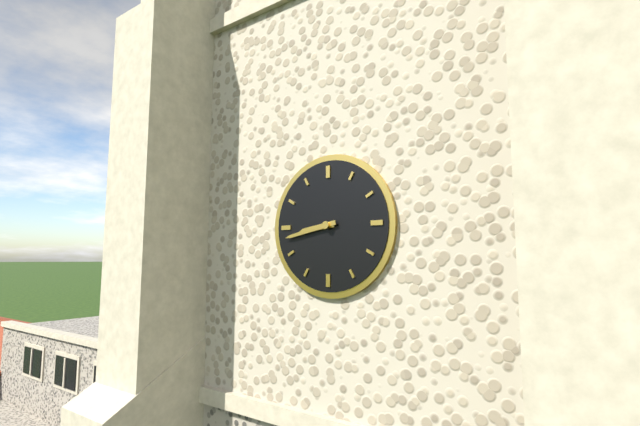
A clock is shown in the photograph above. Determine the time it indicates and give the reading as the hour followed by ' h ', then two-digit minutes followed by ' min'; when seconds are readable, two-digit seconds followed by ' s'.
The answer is 8 h 43 min
